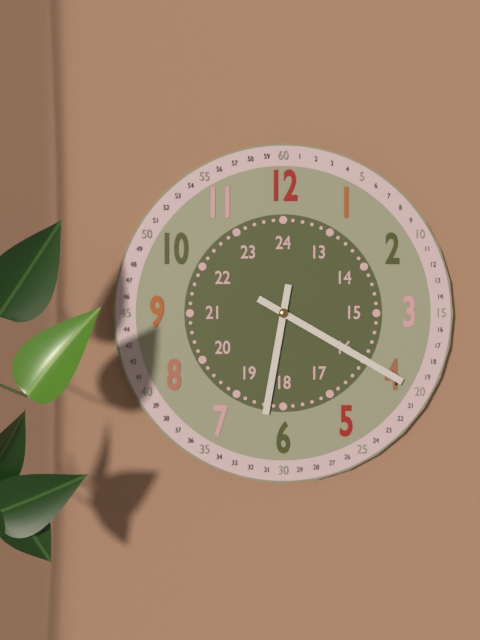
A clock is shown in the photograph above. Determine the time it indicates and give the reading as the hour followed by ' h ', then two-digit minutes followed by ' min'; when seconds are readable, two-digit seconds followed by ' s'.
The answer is 6 h 20 min
